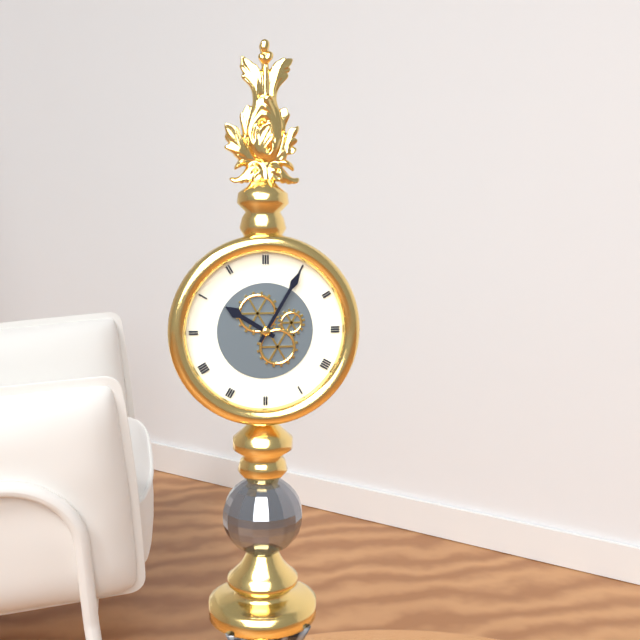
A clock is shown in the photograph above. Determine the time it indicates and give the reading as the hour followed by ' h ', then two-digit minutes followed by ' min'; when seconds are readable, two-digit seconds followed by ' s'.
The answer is 10 h 05 min
